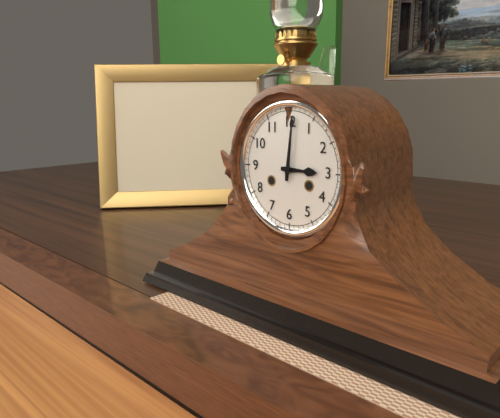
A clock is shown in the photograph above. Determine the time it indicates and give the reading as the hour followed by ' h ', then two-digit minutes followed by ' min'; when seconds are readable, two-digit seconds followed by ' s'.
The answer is 3 h 01 min
